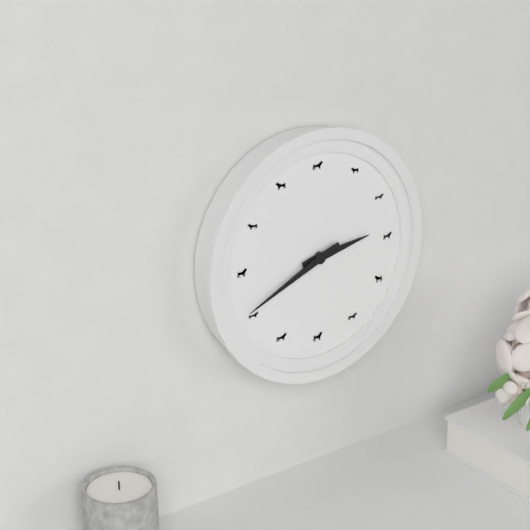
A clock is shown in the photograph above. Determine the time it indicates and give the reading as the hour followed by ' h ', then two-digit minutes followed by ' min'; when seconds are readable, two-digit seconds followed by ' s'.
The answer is 2 h 41 min
